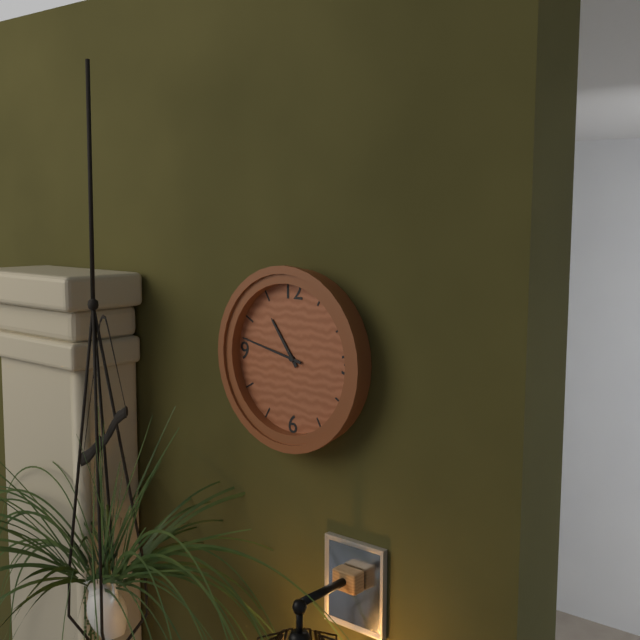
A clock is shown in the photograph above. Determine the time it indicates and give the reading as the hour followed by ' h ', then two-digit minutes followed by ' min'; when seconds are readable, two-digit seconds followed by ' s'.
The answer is 10 h 47 min
